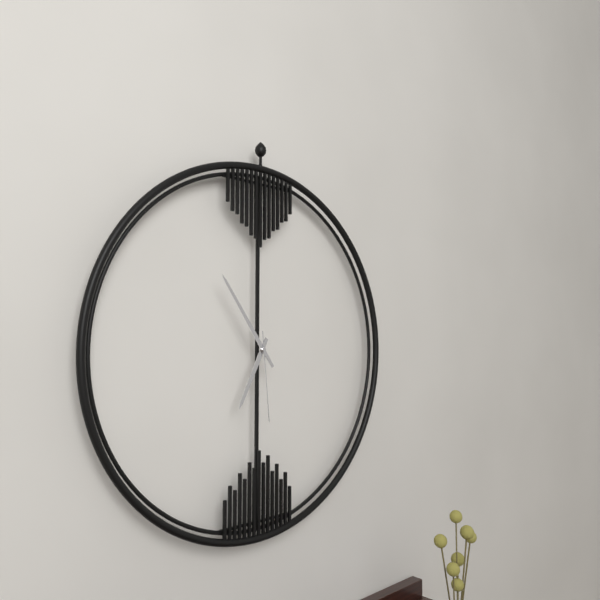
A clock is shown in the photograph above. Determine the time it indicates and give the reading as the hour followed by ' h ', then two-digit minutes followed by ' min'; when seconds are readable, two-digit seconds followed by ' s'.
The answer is 6 h 54 min 29 s
